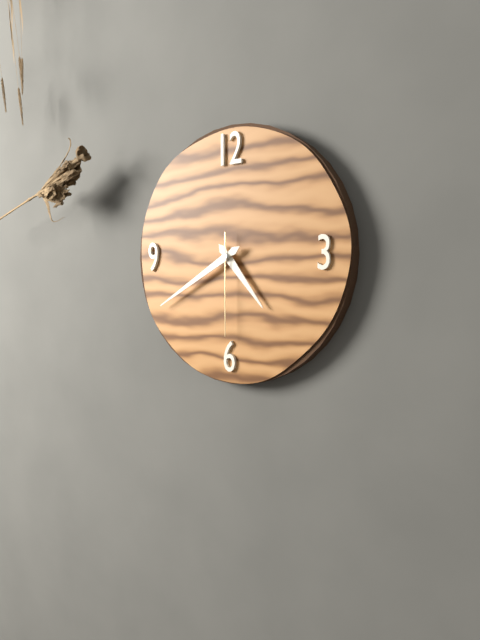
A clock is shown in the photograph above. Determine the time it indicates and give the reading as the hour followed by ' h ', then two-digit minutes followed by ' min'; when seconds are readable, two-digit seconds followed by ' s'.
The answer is 4 h 40 min 30 s
